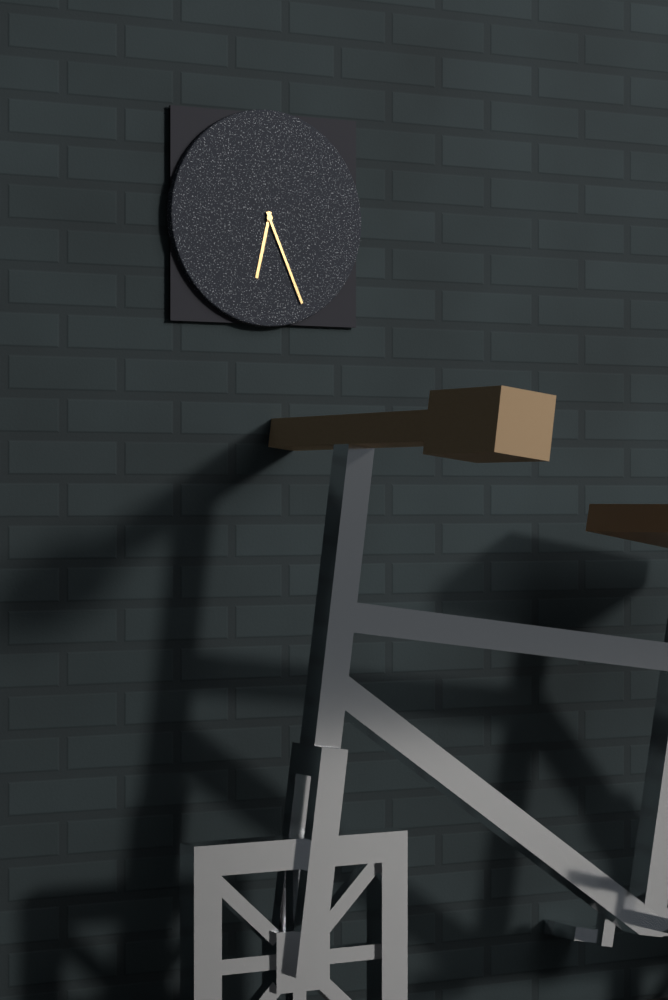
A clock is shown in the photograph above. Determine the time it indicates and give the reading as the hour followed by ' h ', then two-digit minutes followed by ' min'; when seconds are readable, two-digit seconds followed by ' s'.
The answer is 6 h 26 min
